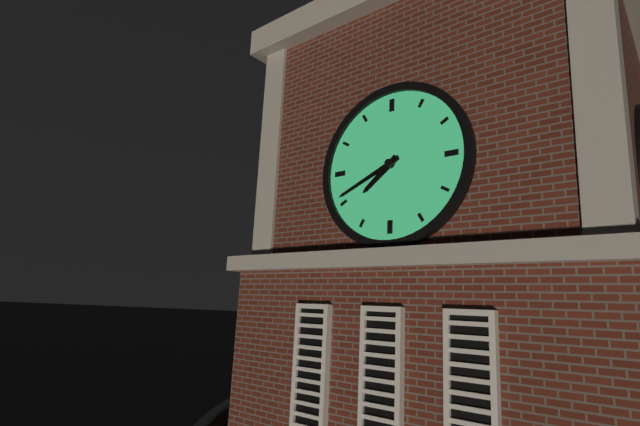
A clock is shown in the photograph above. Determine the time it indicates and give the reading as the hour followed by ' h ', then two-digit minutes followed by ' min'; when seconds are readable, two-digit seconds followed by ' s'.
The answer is 7 h 41 min
